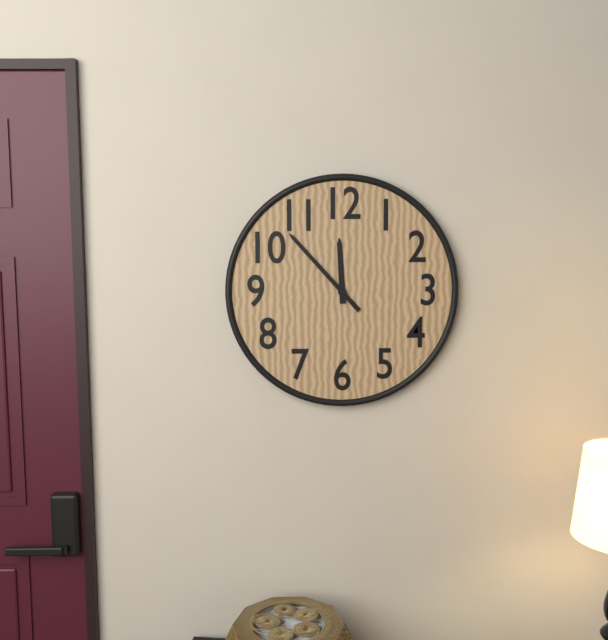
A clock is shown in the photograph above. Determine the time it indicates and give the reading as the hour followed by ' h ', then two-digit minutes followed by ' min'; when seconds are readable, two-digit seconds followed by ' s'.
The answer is 11 h 53 min
